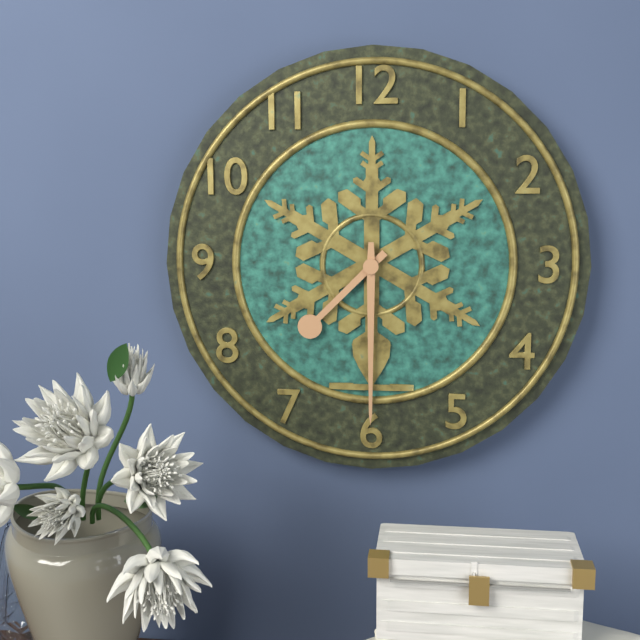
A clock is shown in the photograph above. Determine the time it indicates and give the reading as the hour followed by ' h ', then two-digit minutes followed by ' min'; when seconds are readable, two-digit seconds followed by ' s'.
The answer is 7 h 30 min
